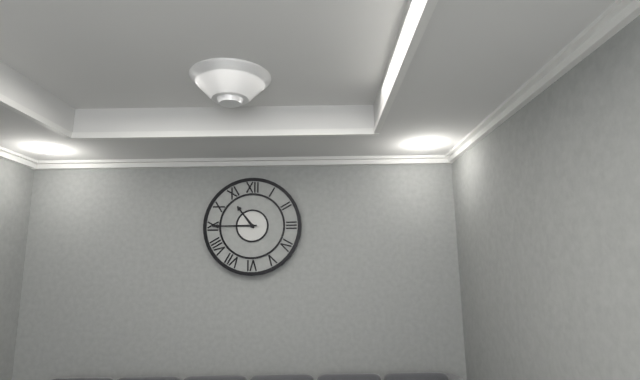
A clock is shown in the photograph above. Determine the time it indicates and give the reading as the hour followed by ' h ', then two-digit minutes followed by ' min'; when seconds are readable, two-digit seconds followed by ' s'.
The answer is 10 h 45 min
